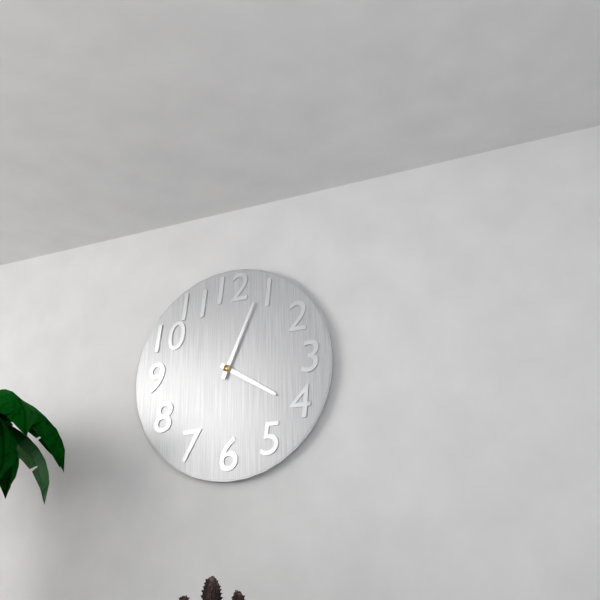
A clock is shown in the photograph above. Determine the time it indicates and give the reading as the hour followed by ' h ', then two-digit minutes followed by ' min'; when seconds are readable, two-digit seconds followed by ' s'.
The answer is 4 h 04 min
